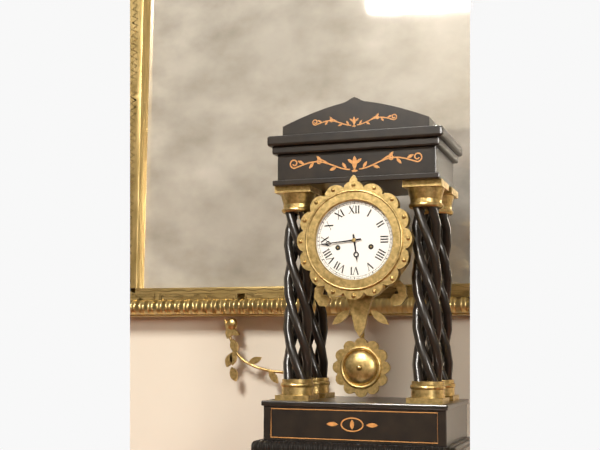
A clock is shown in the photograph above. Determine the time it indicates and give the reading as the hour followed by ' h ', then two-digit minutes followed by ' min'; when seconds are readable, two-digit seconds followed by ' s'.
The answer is 5 h 44 min
